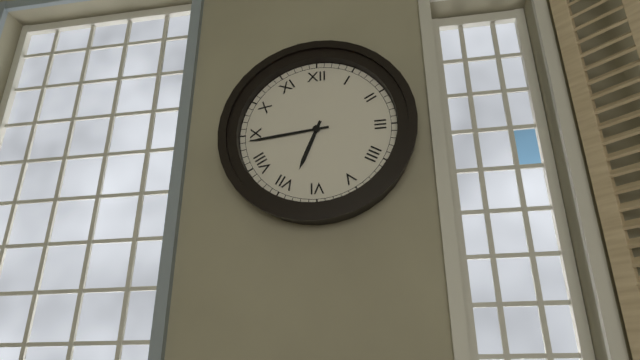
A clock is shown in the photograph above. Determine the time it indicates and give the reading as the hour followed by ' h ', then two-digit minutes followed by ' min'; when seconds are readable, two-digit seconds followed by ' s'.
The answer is 6 h 44 min
